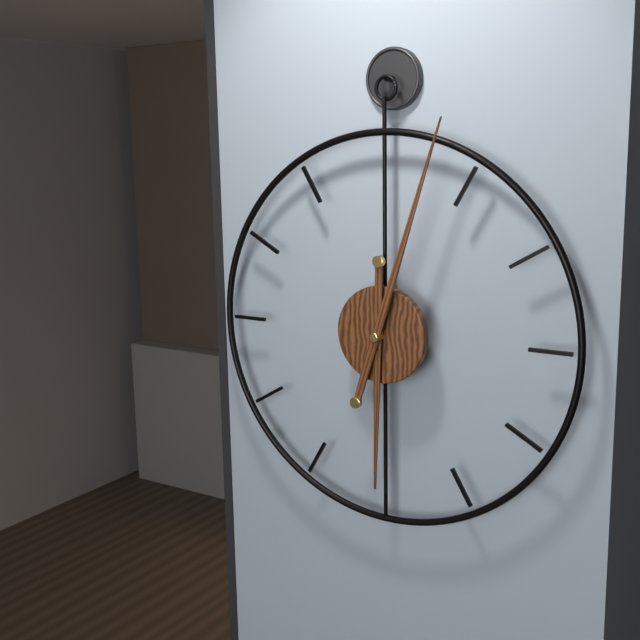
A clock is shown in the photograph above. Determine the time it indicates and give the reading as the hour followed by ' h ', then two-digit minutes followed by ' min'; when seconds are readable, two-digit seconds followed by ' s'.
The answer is 6 h 03 min
